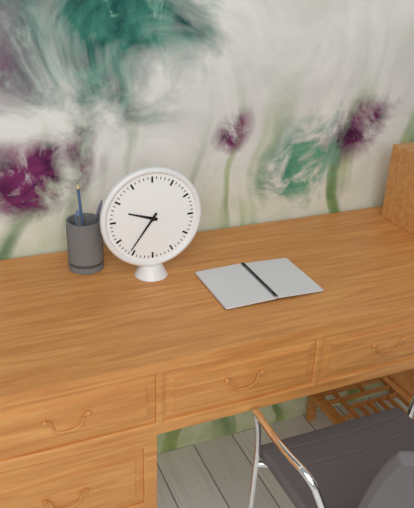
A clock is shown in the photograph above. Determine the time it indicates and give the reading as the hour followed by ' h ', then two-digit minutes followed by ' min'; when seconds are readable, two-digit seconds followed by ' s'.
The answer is 9 h 36 min
